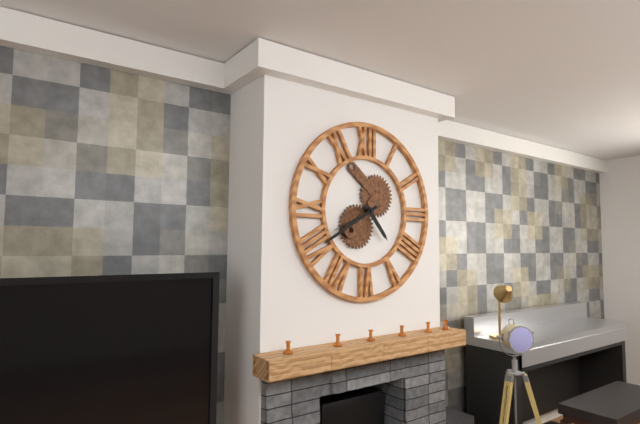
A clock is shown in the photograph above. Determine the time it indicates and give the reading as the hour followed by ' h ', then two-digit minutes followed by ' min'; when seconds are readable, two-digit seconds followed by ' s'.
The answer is 4 h 40 min 41 s
